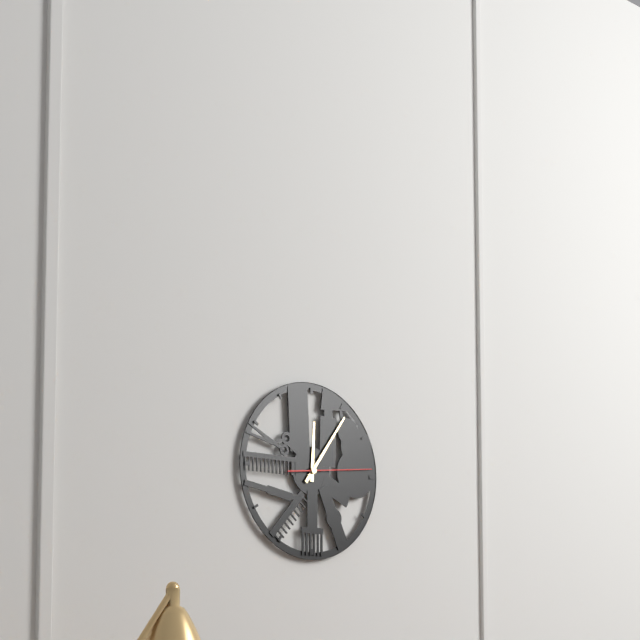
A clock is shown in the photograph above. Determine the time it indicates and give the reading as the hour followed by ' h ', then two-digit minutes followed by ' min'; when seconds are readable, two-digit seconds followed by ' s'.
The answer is 12 h 06 min 14 s
